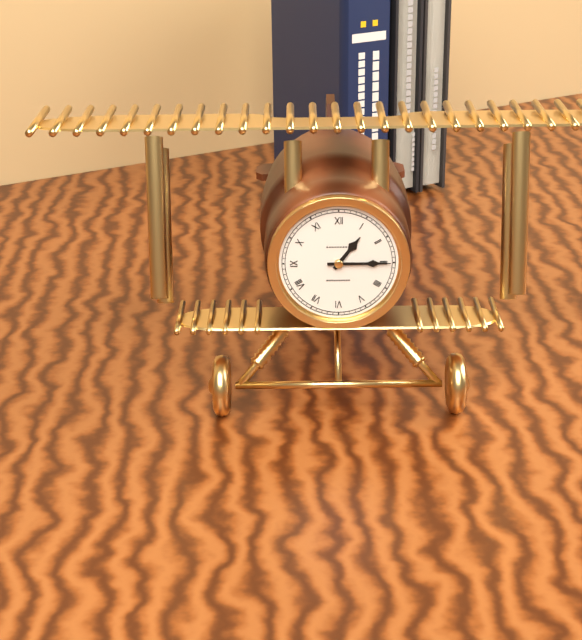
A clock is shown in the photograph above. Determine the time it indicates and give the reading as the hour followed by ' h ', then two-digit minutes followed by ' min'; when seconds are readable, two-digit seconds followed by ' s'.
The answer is 1 h 15 min
